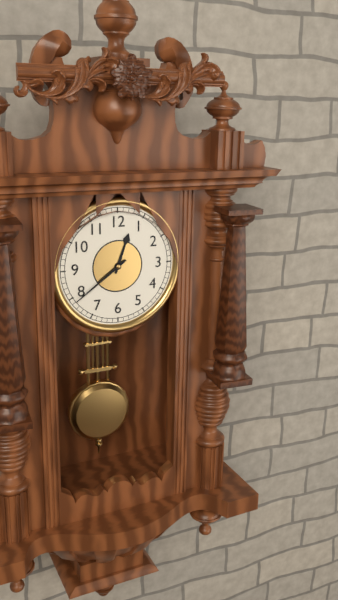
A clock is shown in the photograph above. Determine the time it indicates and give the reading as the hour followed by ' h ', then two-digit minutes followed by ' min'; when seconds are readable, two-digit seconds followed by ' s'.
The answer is 12 h 39 min
